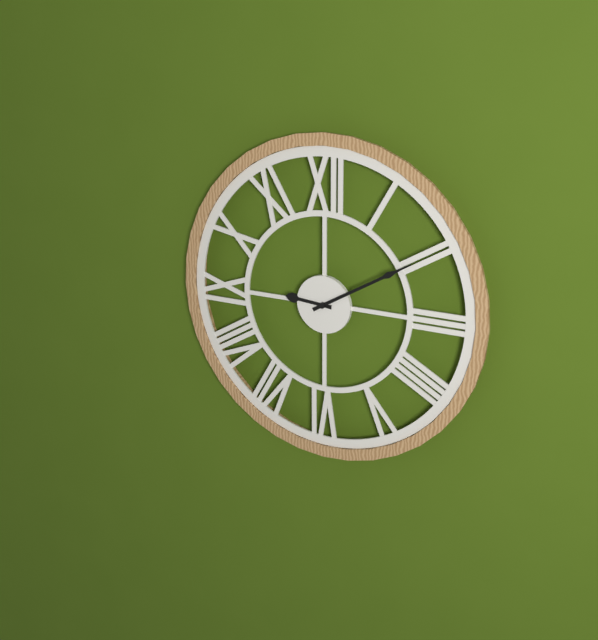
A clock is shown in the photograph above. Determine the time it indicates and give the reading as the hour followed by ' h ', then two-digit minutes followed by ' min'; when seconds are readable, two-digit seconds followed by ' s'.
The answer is 9 h 10 min
